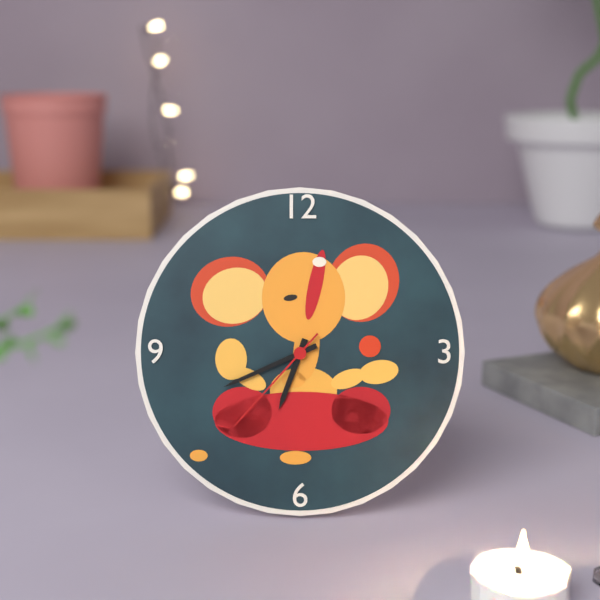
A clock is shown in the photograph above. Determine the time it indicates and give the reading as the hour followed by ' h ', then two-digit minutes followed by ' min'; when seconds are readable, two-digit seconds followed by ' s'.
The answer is 6 h 41 min 37 s
